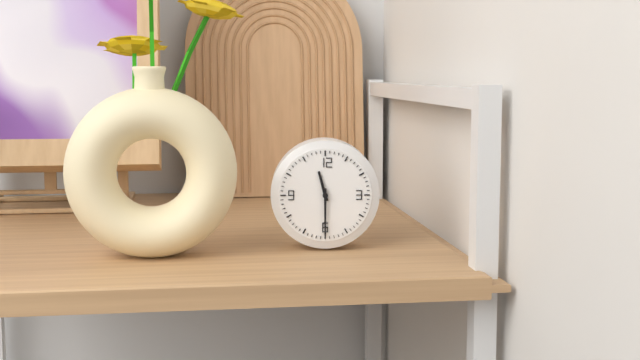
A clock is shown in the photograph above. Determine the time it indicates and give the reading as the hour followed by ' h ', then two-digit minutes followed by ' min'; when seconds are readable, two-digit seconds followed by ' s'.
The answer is 11 h 30 min
